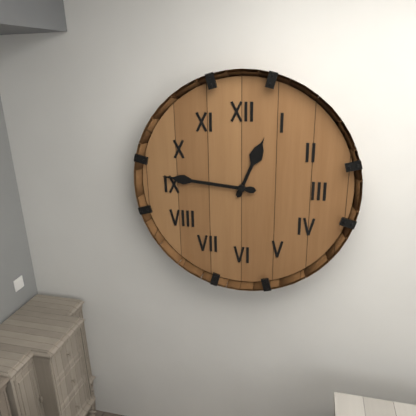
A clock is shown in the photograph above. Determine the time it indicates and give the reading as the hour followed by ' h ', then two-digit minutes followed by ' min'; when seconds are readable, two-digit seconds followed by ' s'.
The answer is 12 h 46 min
